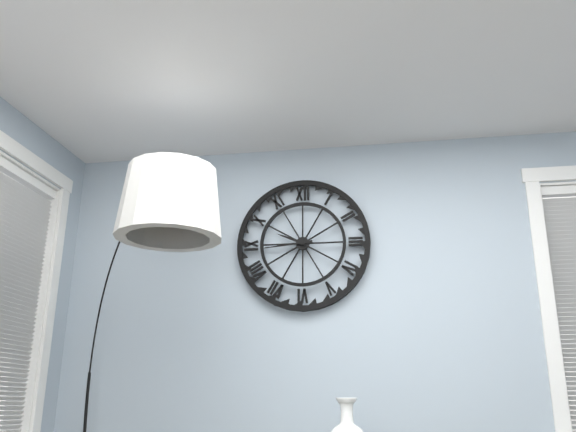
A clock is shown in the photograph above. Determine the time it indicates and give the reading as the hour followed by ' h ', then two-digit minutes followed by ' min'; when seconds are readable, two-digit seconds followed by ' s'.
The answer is 9 h 44 min
